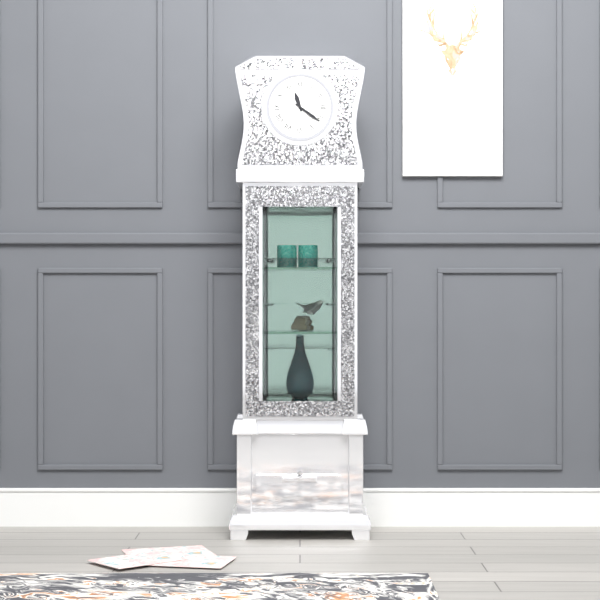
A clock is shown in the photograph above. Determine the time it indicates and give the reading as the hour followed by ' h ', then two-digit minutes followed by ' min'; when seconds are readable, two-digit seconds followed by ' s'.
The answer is 11 h 21 min
